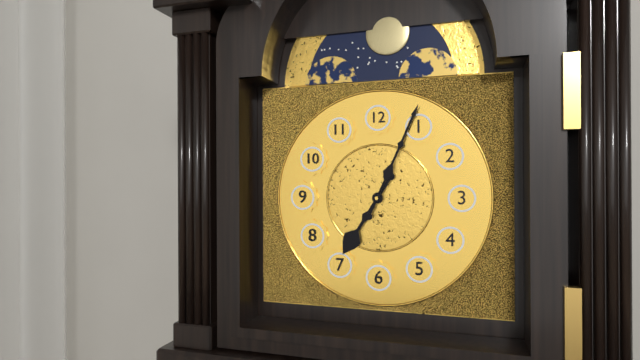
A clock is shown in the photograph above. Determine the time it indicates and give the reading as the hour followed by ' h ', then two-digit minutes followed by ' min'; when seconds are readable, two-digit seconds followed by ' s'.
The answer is 7 h 04 min
